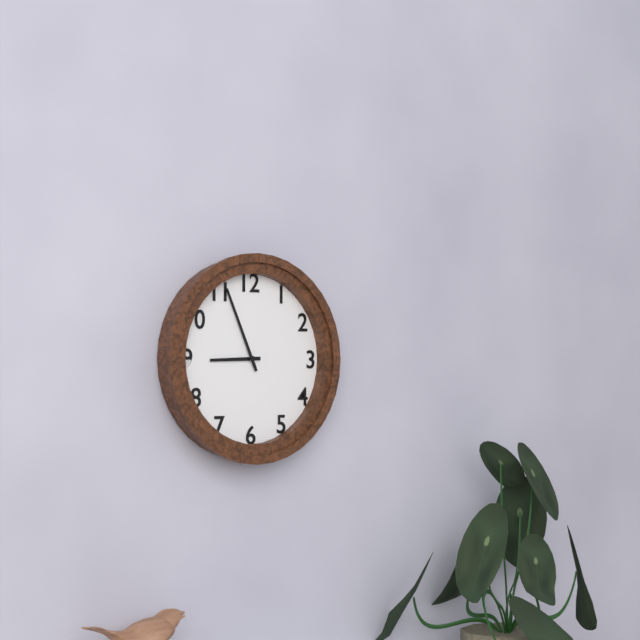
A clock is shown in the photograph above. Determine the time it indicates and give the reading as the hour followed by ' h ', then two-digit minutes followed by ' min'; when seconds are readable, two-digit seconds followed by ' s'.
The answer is 8 h 56 min
